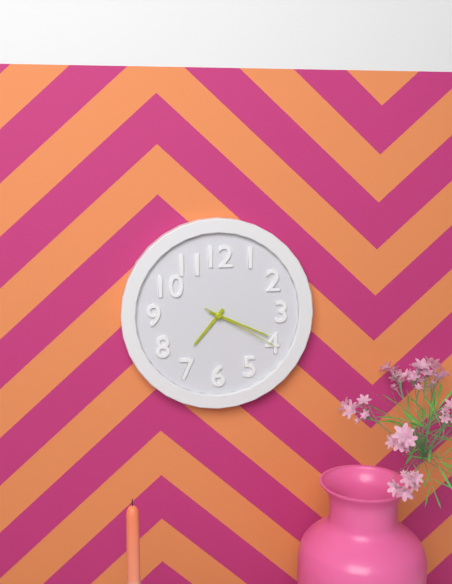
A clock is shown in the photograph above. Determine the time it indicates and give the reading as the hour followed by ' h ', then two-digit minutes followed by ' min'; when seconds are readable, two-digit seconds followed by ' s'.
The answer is 7 h 19 min 20 s
